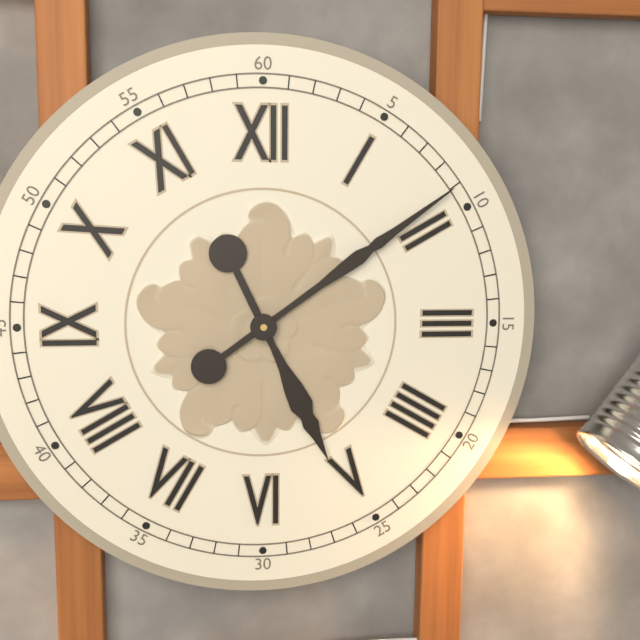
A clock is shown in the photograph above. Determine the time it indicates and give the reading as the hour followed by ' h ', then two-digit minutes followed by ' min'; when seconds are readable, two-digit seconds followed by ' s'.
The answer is 5 h 09 min
